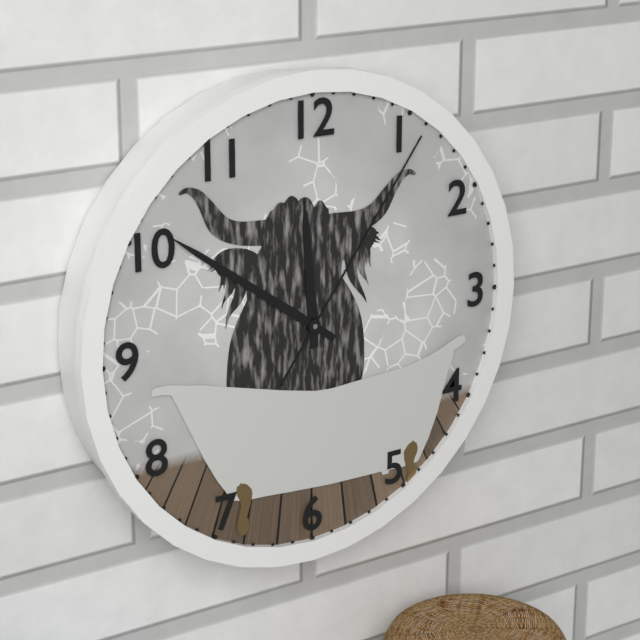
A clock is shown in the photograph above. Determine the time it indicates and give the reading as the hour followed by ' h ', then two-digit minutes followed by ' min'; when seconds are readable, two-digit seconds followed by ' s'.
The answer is 11 h 51 min 06 s
